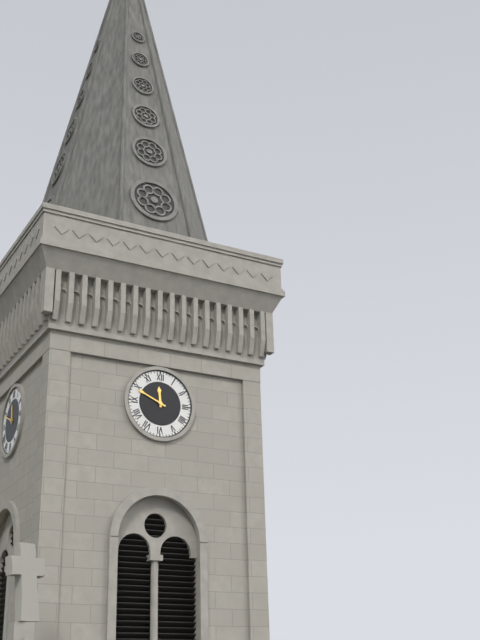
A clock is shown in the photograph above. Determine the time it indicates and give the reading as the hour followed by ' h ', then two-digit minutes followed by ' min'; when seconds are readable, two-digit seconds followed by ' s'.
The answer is 11 h 49 min
